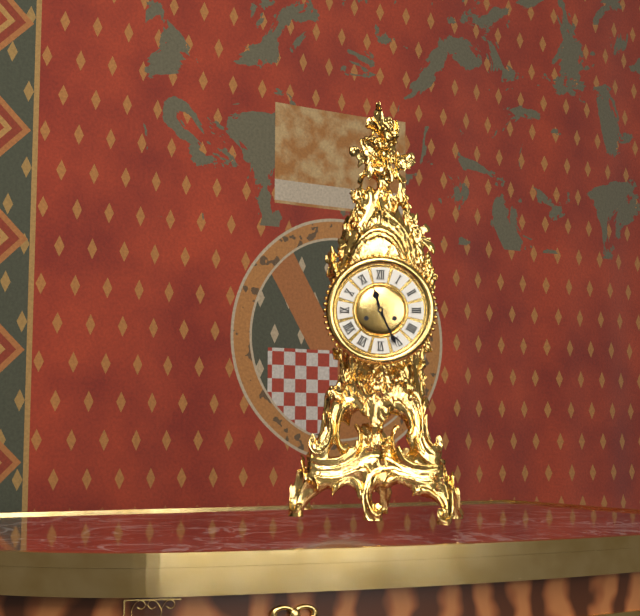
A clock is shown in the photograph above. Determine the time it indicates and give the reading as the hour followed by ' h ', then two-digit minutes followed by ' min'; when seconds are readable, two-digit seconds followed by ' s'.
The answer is 11 h 26 min
